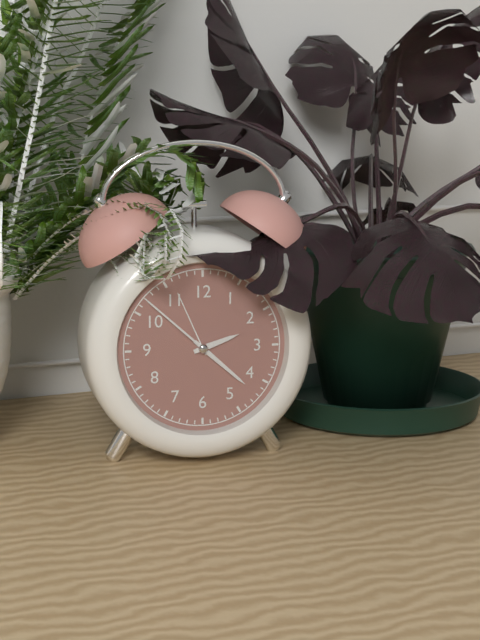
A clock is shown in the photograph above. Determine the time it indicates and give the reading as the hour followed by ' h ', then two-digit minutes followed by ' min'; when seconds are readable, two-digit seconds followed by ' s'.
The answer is 2 h 22 min 52 s
